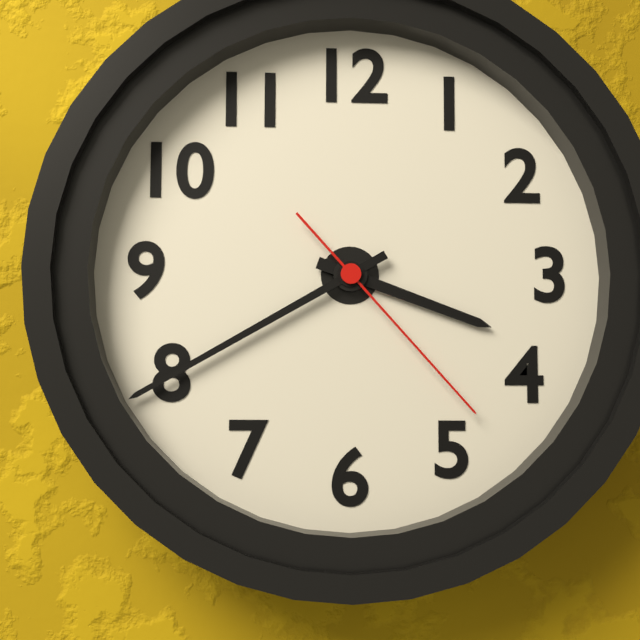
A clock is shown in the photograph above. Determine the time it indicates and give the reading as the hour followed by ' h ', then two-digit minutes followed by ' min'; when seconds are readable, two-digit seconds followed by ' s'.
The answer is 3 h 40 min 23 s
